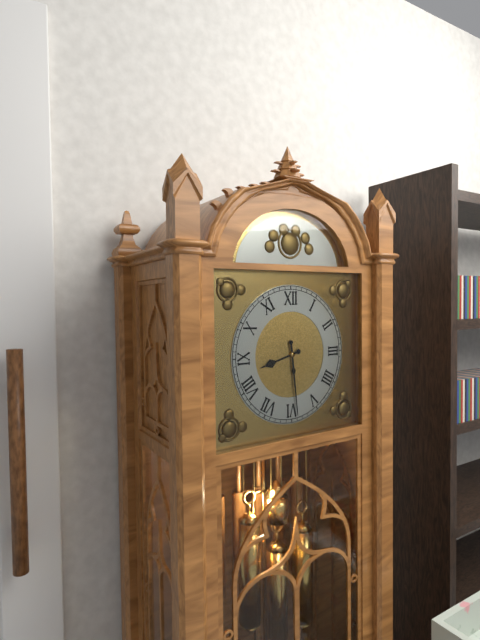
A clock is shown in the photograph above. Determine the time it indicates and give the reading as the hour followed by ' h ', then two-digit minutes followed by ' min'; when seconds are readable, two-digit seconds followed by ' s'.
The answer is 8 h 29 min
